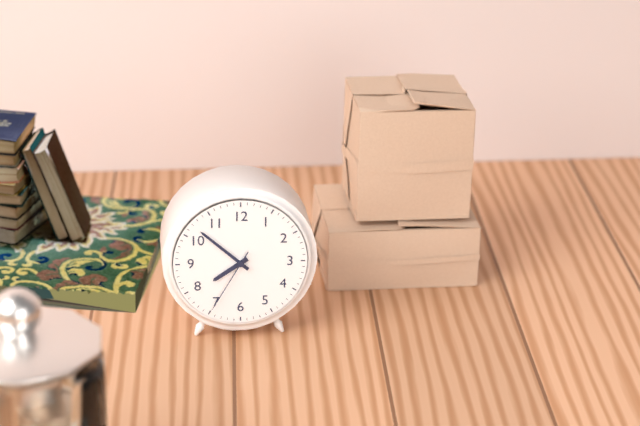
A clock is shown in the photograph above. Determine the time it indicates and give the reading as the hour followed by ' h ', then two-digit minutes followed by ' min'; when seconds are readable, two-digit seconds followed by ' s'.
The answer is 7 h 52 min 35 s
